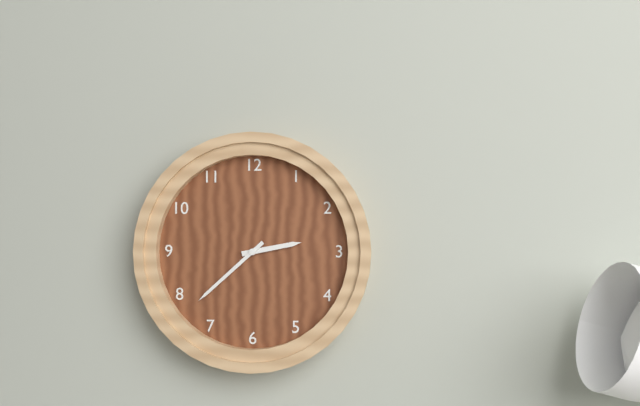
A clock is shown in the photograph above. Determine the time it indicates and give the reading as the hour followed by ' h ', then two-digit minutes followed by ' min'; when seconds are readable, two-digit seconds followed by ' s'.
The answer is 2 h 38 min
